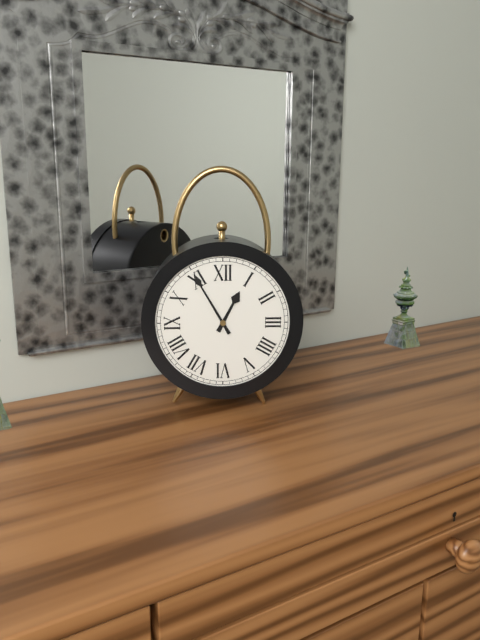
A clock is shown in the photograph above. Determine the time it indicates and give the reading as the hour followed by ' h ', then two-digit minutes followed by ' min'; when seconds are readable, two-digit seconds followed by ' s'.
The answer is 12 h 55 min
